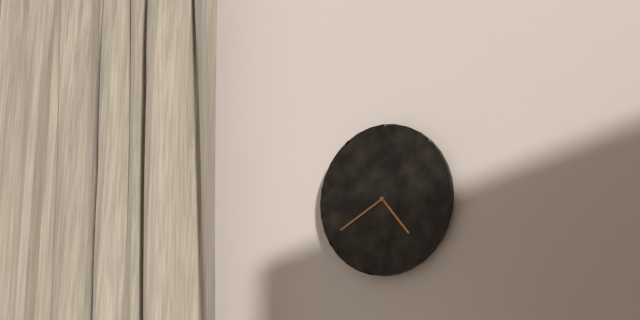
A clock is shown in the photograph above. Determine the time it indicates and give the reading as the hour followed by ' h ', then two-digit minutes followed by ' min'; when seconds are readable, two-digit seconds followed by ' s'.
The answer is 4 h 40 min
